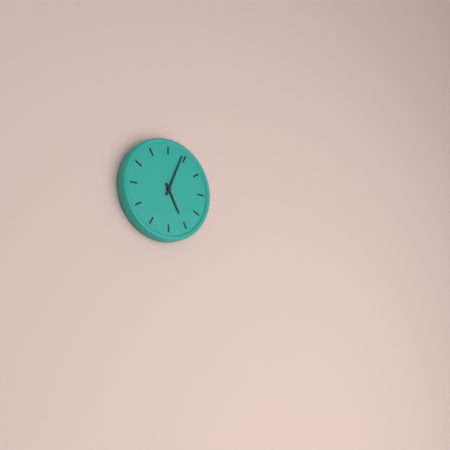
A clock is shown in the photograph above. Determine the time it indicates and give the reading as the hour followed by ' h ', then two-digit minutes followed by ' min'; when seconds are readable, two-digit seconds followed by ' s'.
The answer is 5 h 04 min
